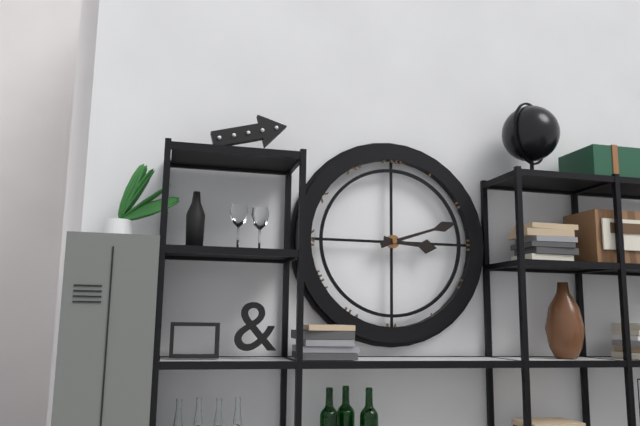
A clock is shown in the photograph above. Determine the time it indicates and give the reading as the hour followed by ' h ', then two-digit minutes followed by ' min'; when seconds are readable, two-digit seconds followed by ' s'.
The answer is 3 h 12 min
